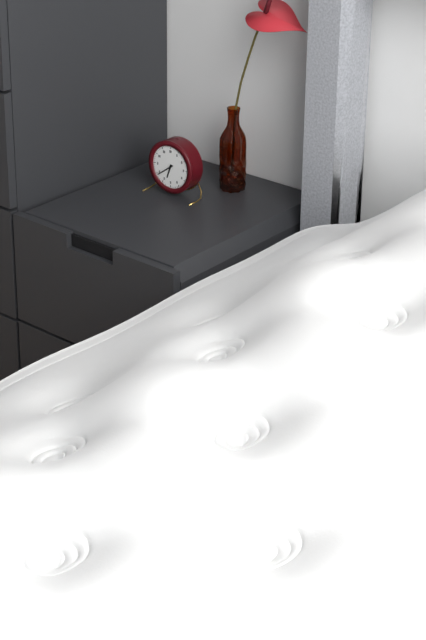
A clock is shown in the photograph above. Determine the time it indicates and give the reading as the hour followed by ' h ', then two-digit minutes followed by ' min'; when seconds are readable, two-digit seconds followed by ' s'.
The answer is 6 h 39 min
